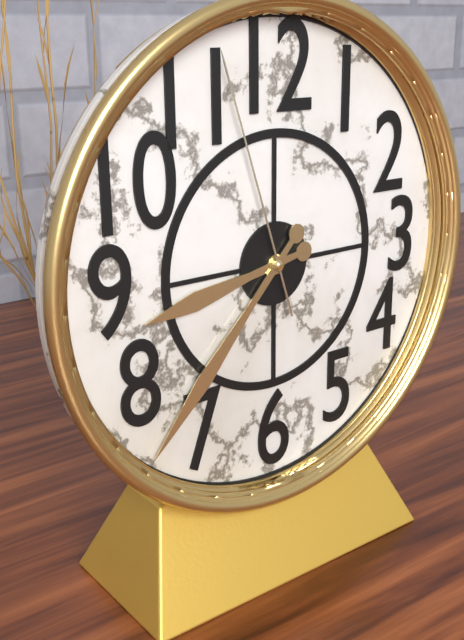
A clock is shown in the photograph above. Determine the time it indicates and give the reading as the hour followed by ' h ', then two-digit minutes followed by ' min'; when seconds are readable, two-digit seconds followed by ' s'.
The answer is 8 h 37 min 57 s
